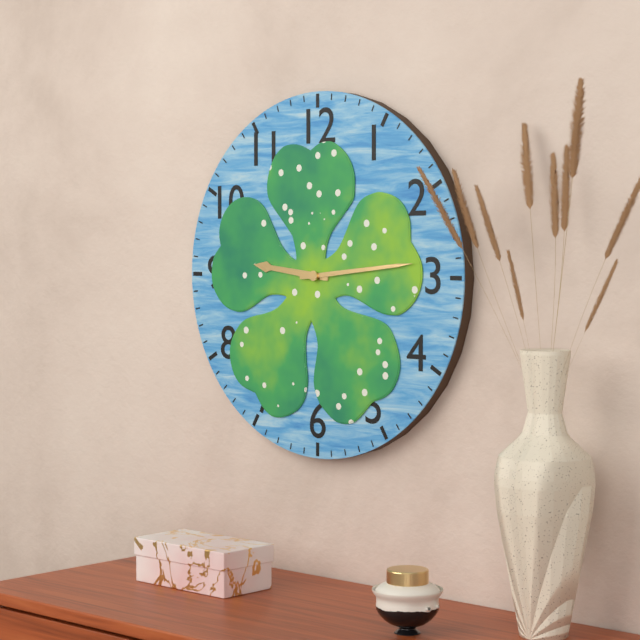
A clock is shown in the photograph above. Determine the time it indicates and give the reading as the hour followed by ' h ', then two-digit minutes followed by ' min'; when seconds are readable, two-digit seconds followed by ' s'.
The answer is 9 h 14 min
